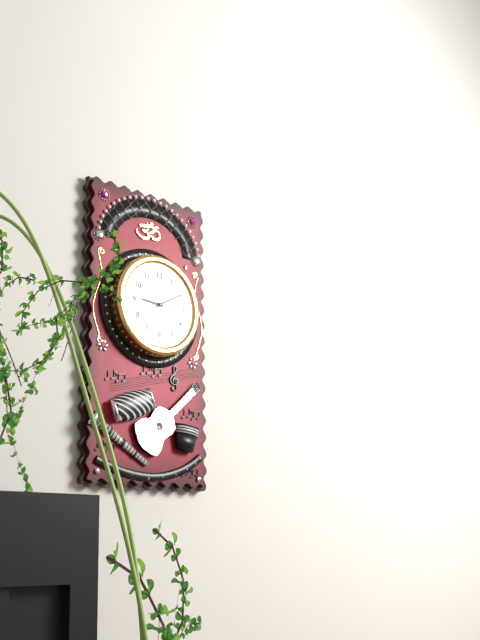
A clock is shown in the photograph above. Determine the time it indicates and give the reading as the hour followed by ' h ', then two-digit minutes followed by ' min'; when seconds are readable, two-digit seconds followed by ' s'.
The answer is 9 h 10 min
